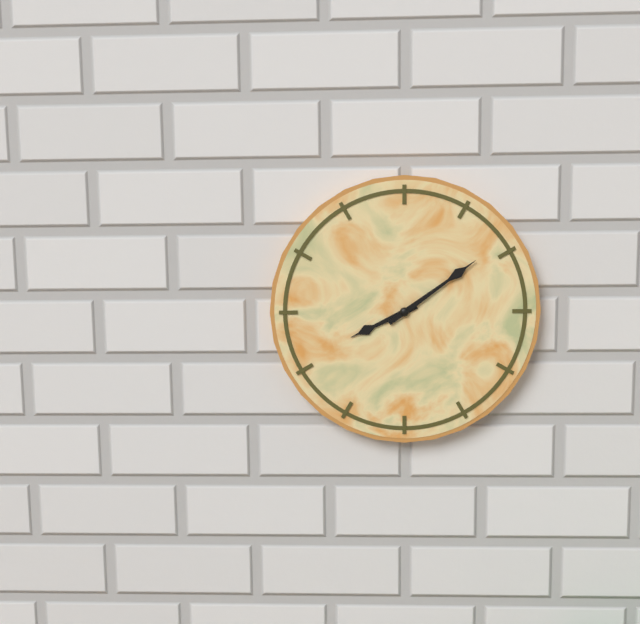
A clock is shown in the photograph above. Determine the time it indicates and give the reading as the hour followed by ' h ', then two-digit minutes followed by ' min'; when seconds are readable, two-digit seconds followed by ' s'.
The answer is 8 h 09 min
